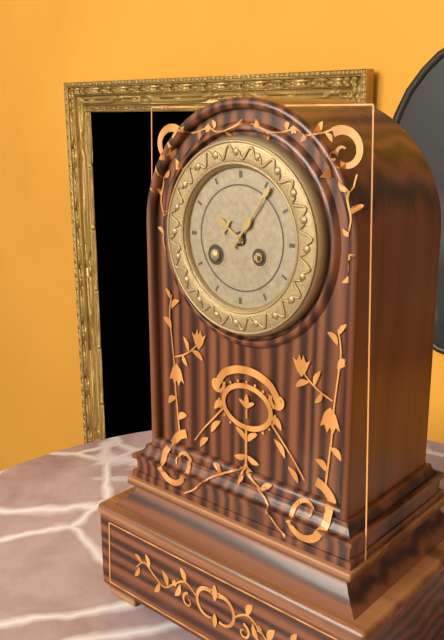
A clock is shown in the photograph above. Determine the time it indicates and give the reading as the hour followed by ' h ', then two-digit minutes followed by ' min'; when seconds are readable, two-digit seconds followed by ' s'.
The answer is 10 h 06 min
